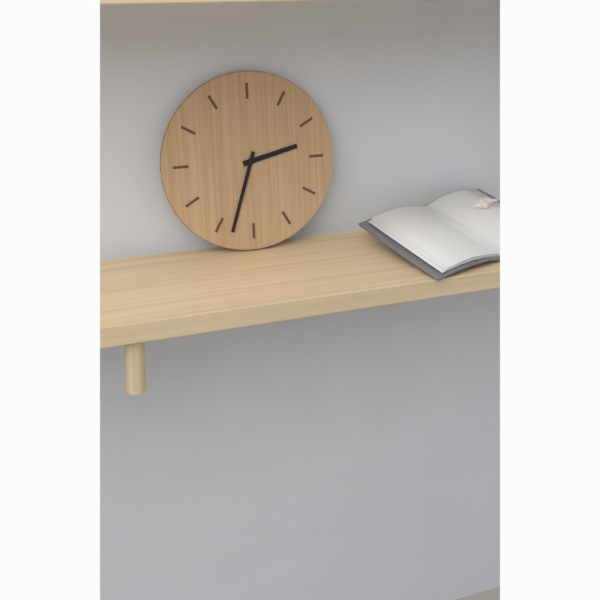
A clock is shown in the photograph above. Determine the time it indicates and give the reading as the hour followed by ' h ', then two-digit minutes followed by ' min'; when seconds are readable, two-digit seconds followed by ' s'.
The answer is 2 h 33 min
